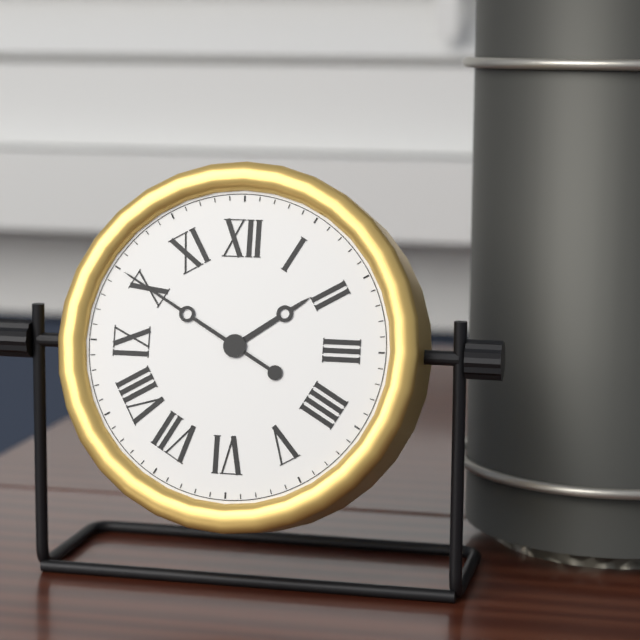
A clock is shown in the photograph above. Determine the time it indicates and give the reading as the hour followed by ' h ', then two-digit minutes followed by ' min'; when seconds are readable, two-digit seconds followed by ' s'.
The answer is 1 h 50 min
